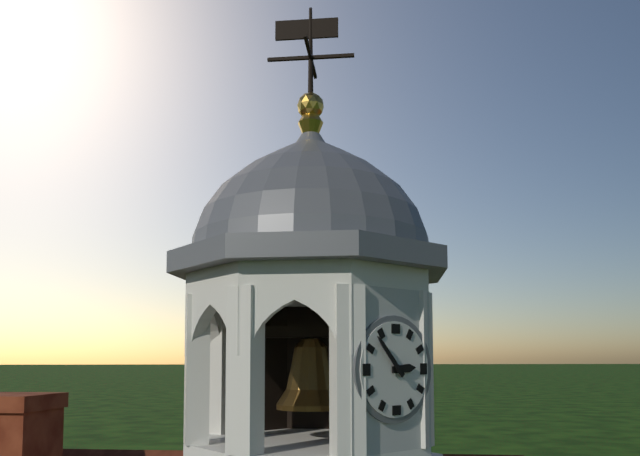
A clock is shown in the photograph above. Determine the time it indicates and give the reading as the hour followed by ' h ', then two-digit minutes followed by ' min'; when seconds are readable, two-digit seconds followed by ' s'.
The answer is 2 h 53 min
